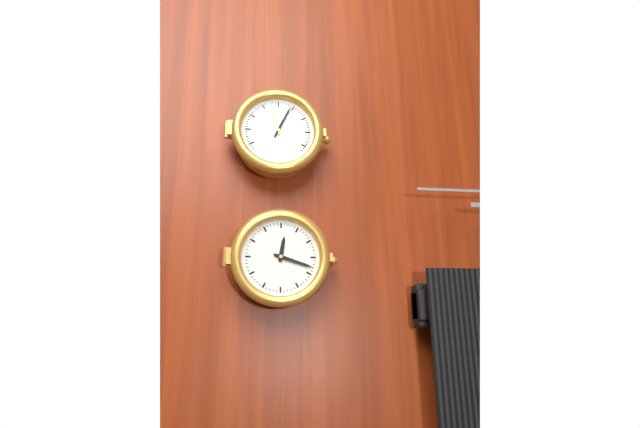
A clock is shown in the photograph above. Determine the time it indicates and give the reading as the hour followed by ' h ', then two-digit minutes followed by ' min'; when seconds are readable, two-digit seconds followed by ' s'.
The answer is 12 h 18 min
